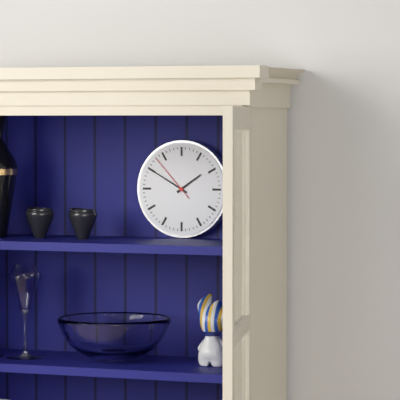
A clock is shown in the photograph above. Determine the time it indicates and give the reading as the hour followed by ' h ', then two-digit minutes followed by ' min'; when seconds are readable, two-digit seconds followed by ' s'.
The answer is 1 h 50 min
